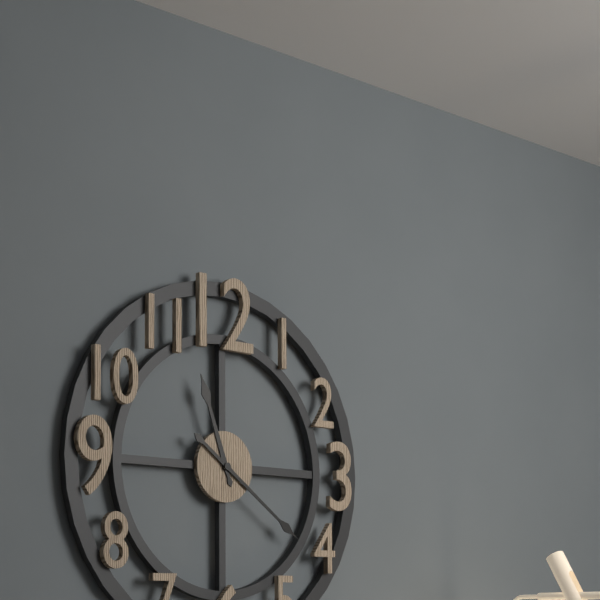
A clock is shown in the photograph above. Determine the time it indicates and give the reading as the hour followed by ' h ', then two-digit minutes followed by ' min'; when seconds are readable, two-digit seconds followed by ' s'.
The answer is 11 h 21 min
